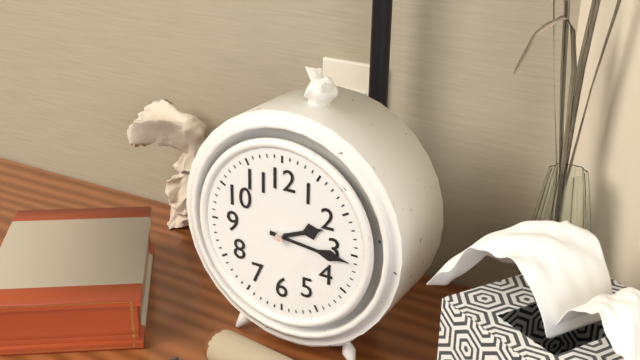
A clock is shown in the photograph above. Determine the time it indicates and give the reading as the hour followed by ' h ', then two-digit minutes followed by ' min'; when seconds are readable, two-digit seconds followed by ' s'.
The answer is 2 h 16 min
